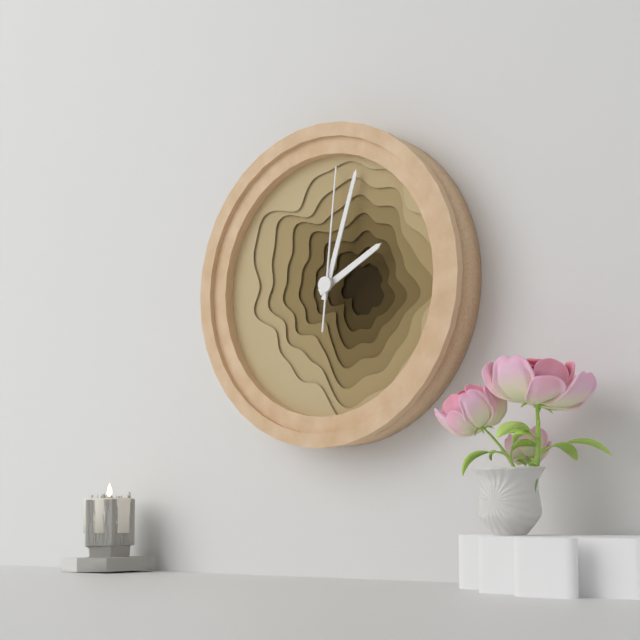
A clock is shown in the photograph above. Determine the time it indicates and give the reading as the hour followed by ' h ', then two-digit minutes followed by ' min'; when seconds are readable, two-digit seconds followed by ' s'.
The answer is 2 h 03 min 01 s
